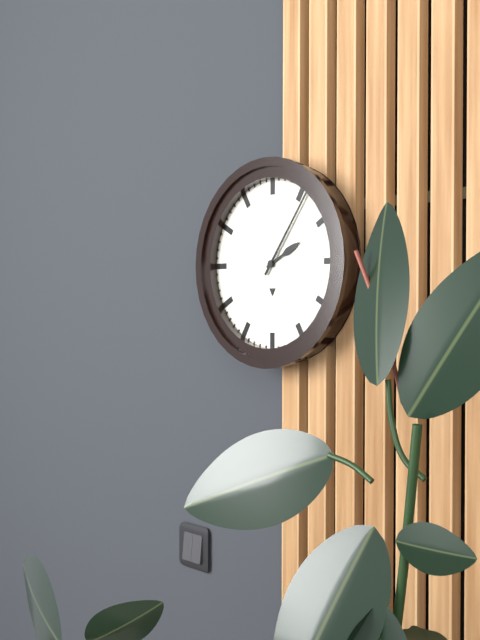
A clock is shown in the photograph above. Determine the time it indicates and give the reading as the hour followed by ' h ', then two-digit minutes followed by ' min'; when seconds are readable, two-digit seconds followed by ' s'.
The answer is 2 h 06 min
